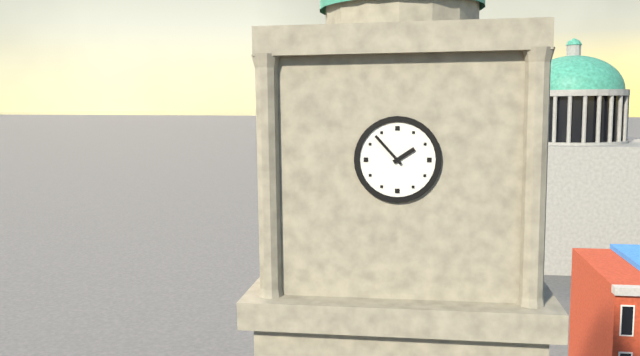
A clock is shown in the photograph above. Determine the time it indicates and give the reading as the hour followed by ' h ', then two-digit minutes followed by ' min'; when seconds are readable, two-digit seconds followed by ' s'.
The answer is 1 h 53 min
